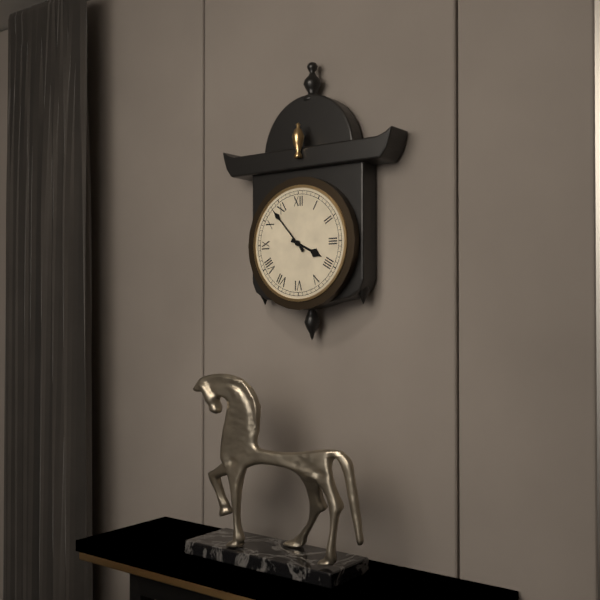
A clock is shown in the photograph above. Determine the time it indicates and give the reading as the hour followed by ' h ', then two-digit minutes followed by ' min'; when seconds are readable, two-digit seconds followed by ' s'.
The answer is 3 h 53 min
